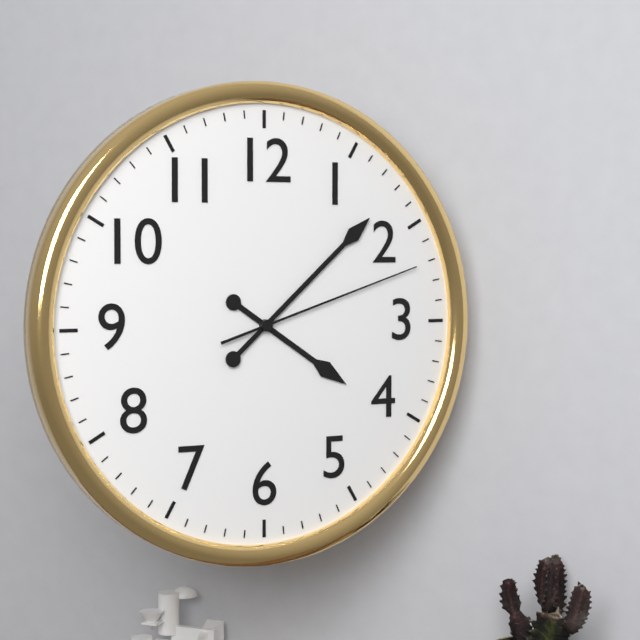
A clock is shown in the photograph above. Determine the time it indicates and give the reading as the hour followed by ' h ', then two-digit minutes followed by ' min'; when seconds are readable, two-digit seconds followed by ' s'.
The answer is 4 h 08 min 12 s
